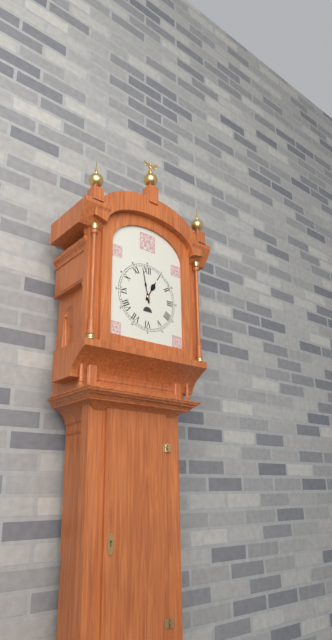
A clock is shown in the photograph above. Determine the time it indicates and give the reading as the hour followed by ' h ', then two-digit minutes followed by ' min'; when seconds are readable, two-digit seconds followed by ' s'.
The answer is 12 h 58 min
